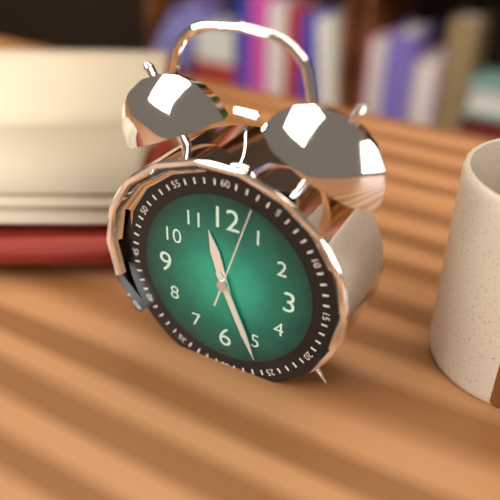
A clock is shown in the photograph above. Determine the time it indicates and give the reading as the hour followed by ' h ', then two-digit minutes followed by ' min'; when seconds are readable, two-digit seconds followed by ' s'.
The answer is 11 h 26 min 03 s
